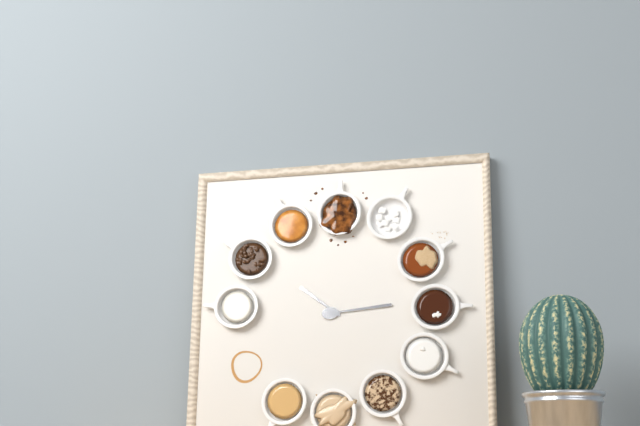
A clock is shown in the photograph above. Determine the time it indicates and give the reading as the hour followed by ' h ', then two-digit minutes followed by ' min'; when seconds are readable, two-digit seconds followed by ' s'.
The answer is 10 h 14 min
